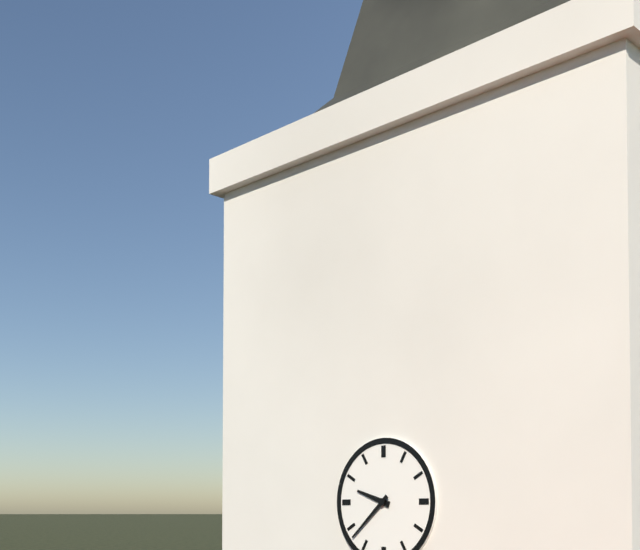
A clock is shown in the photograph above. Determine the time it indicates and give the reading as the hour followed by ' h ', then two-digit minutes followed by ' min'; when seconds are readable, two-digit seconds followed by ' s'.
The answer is 9 h 38 min
